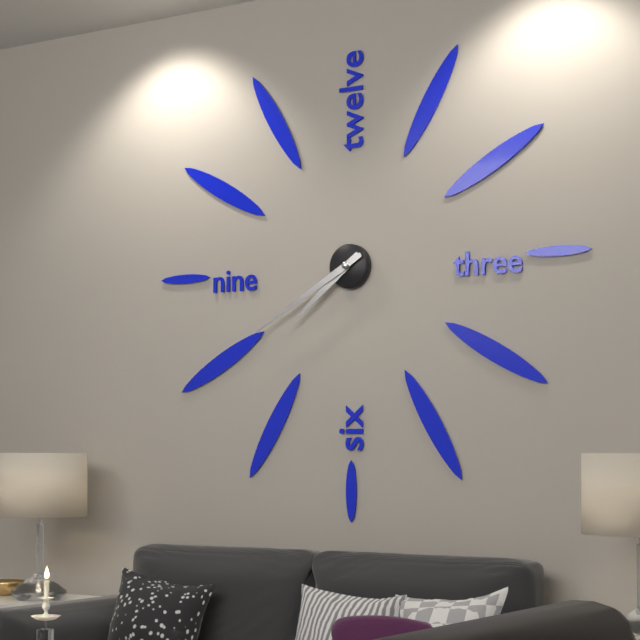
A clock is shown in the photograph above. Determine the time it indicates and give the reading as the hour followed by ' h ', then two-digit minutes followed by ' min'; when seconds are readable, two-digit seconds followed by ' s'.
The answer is 7 h 40 min
